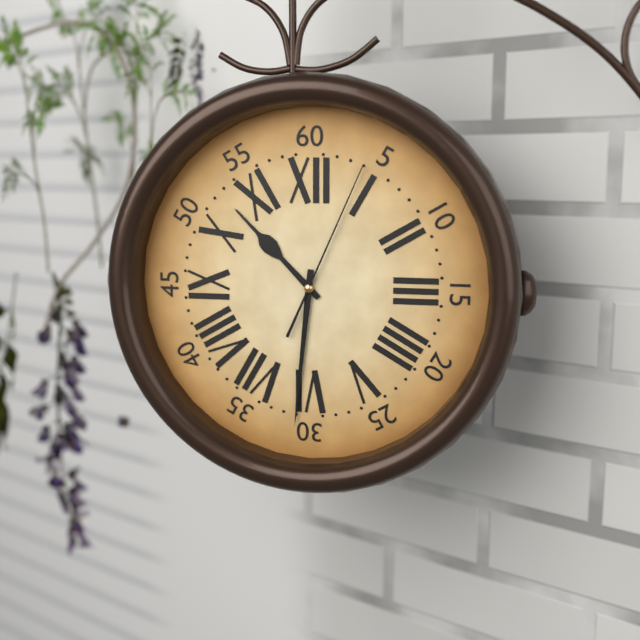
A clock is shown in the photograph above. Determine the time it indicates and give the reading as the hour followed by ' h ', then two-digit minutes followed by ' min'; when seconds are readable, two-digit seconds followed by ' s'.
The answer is 10 h 31 min 04 s
